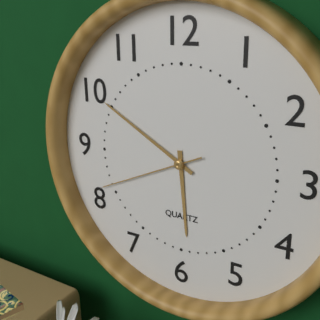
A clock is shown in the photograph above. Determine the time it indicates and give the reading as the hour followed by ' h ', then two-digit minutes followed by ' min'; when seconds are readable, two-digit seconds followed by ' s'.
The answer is 5 h 50 min 41 s
